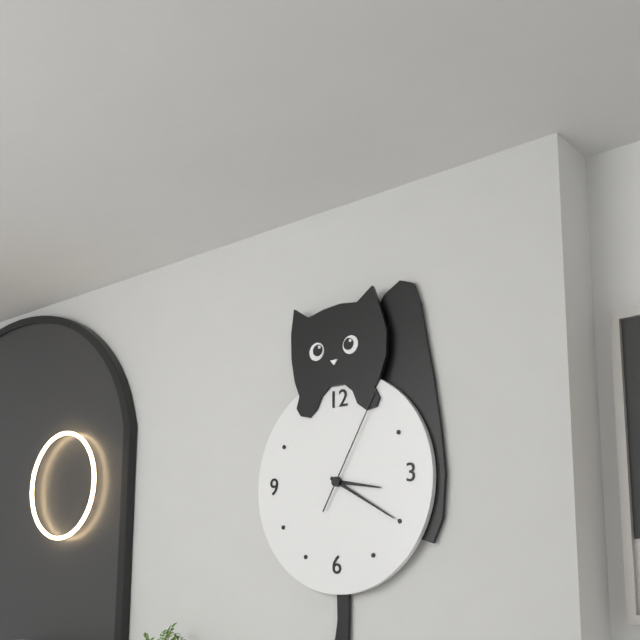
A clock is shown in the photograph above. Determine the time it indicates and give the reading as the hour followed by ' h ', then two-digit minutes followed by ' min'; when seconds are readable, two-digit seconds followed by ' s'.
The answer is 3 h 20 min 05 s
